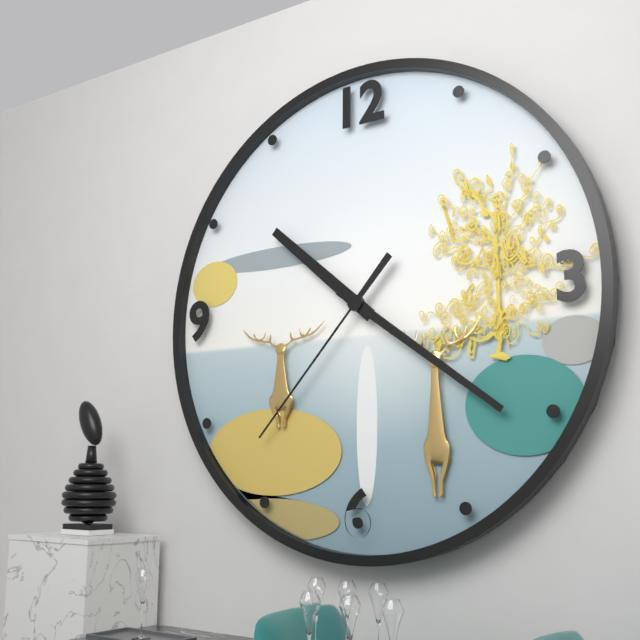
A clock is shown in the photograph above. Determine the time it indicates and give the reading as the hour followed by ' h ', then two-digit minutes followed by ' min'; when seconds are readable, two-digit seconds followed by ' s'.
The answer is 10 h 21 min 37 s
